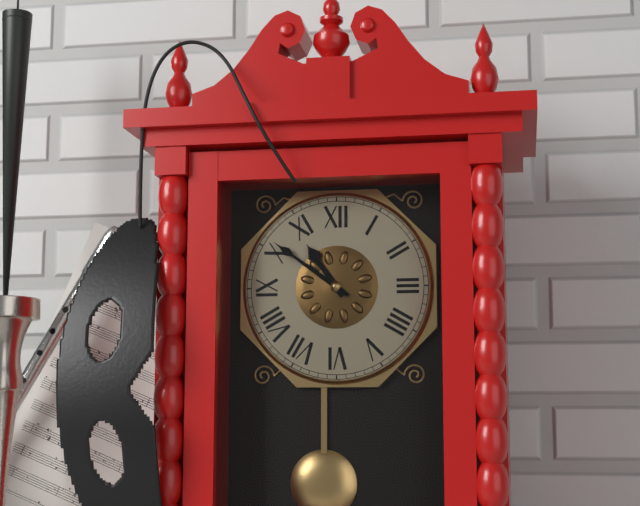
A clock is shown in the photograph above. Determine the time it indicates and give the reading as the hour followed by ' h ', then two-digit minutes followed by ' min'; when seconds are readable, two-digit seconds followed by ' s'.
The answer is 10 h 51 min
